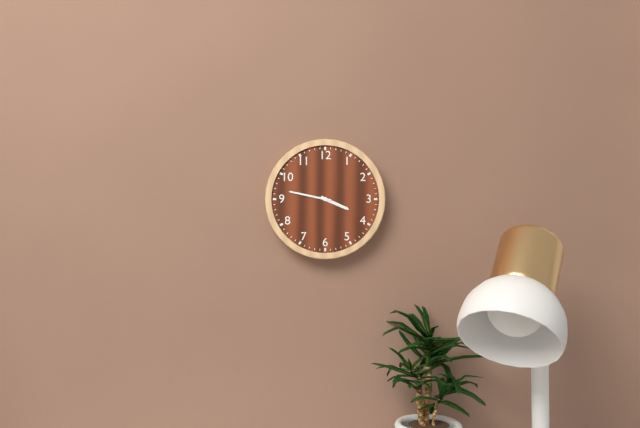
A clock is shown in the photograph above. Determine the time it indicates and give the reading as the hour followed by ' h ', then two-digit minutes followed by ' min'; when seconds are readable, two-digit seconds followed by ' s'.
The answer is 3 h 47 min
